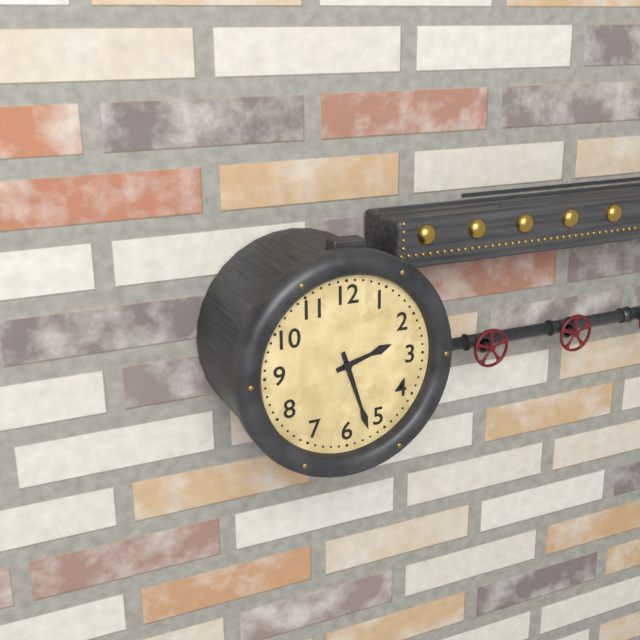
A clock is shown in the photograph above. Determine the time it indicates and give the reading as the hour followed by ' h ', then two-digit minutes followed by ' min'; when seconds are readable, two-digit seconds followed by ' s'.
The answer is 2 h 27 min
